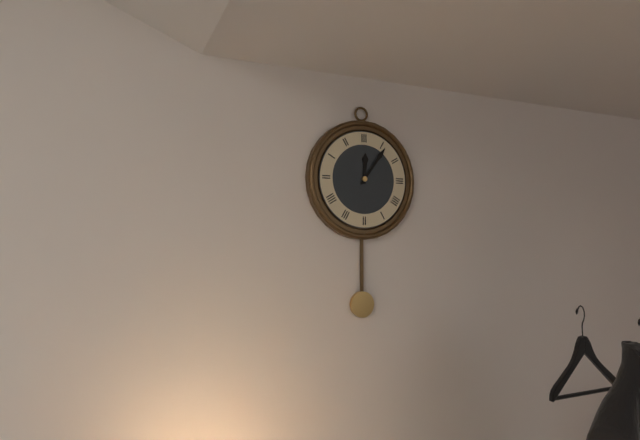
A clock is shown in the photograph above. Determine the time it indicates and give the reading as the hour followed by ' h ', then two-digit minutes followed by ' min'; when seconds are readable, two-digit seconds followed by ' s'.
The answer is 12 h 06 min
